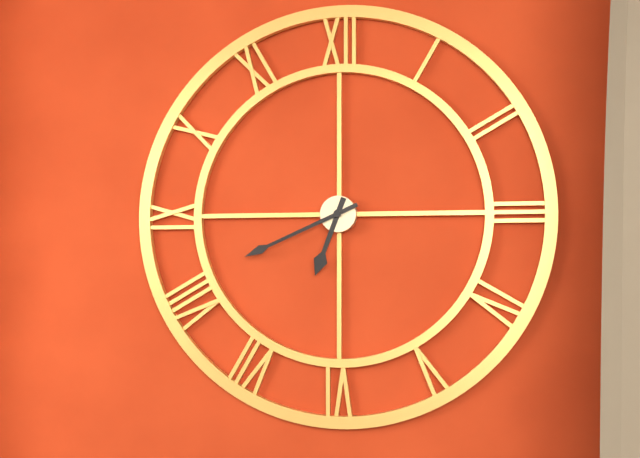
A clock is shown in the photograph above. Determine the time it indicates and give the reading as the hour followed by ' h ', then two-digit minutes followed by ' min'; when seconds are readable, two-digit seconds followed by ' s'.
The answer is 6 h 41 min
